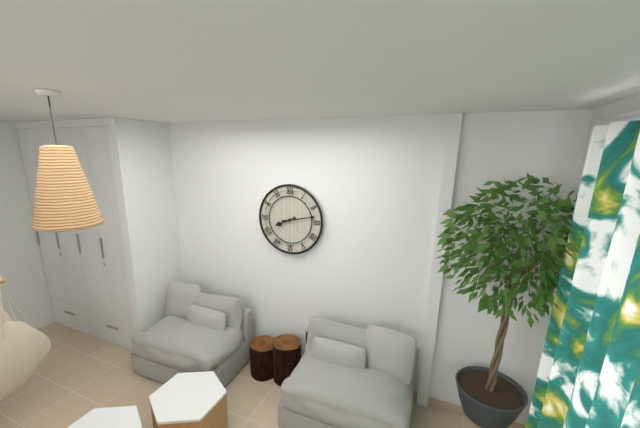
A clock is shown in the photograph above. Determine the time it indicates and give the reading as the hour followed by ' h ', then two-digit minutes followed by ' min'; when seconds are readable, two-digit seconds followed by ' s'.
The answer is 8 h 13 min
